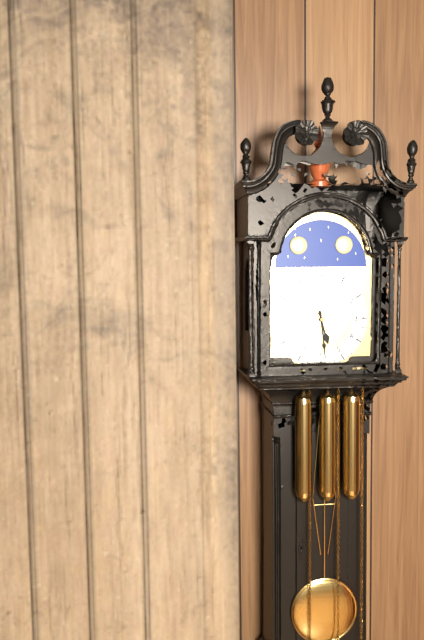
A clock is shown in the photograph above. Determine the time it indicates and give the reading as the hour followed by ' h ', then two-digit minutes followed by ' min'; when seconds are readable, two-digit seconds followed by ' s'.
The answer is 5 h 29 min
